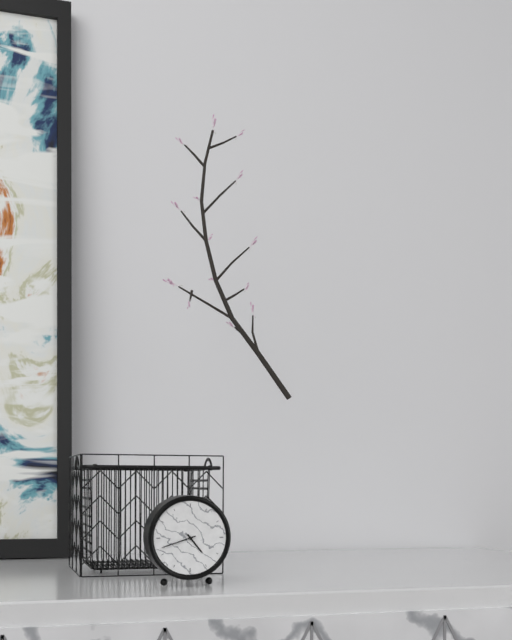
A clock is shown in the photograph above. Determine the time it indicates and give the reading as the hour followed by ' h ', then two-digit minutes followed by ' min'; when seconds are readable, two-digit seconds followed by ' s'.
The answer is 4 h 42 min
